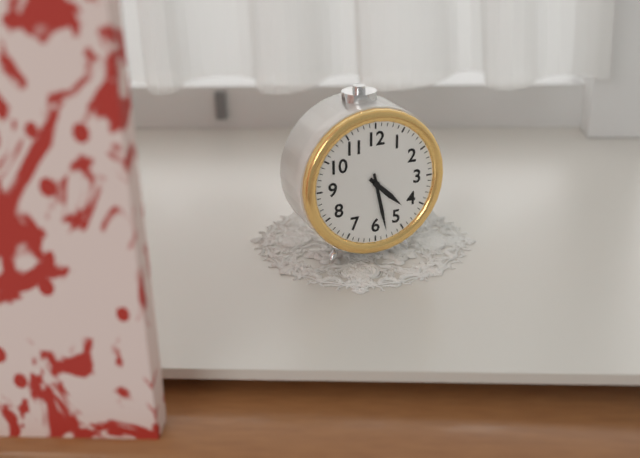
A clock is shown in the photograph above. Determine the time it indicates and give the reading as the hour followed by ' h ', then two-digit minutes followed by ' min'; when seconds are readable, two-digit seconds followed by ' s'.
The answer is 4 h 28 min
